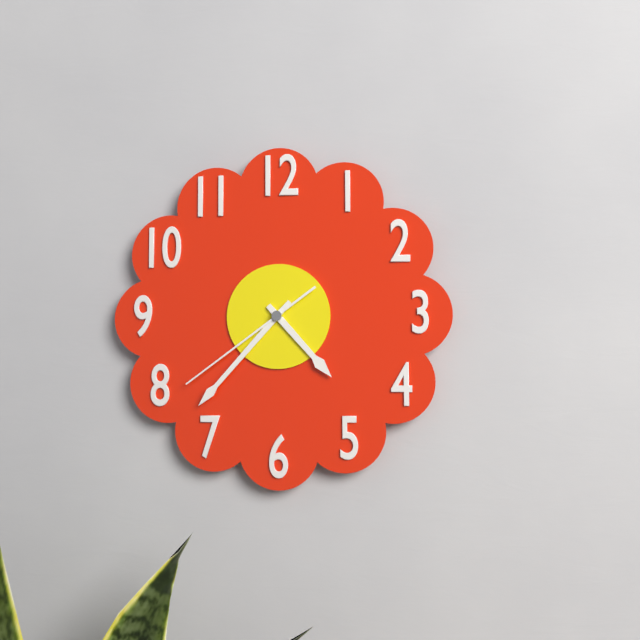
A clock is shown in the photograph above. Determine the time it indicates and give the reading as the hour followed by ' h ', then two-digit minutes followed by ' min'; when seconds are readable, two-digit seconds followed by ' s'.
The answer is 4 h 37 min 39 s
